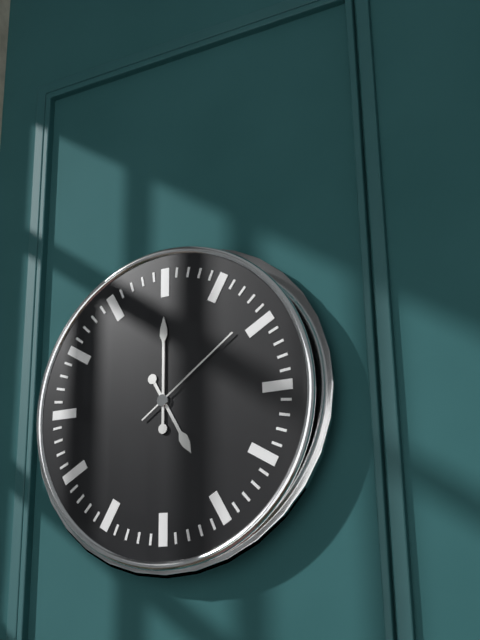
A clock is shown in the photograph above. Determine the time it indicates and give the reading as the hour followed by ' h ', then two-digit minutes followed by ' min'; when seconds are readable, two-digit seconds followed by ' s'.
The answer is 5 h 00 min 09 s
